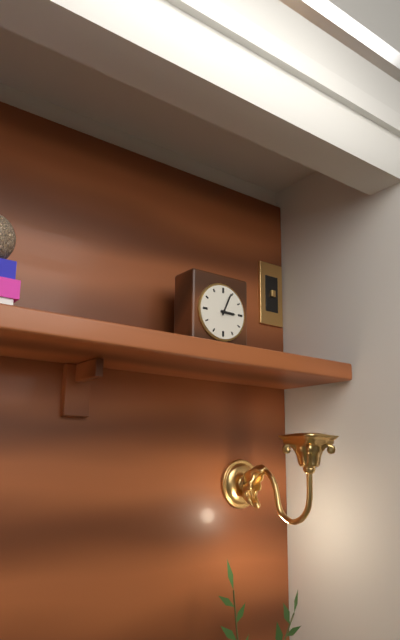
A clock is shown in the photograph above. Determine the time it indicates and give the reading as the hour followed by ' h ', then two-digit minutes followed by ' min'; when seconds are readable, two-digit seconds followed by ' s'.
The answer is 3 h 04 min
